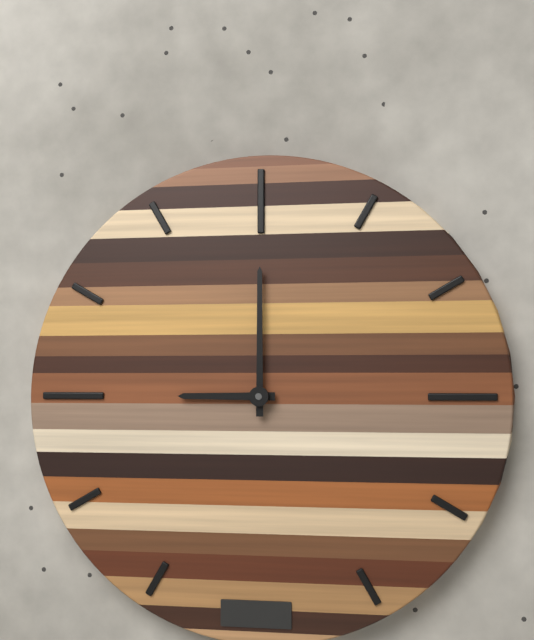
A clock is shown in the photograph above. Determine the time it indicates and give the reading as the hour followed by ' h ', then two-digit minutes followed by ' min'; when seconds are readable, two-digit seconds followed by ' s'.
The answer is 9 h 00 min
